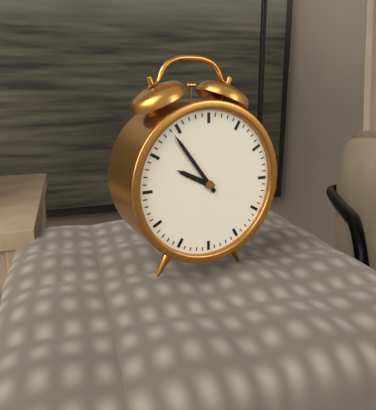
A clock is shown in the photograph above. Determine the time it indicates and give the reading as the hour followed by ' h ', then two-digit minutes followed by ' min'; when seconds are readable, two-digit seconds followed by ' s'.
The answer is 9 h 54 min
